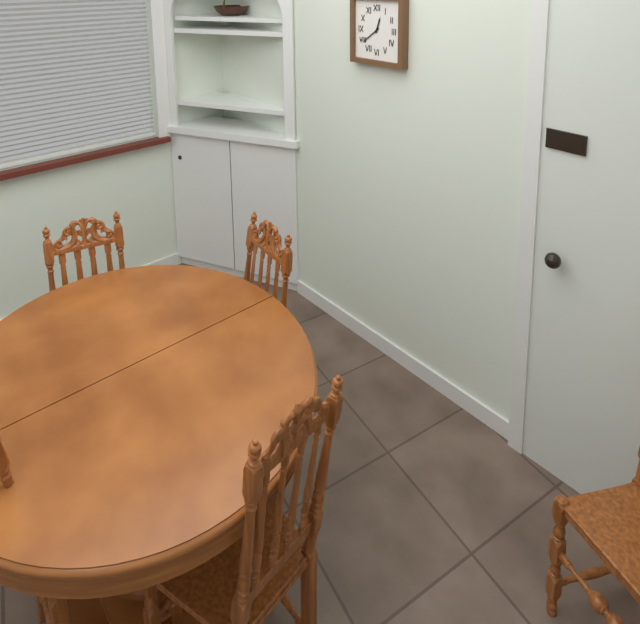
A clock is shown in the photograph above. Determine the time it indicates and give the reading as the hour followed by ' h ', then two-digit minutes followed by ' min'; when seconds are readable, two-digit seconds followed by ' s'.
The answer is 12 h 39 min
